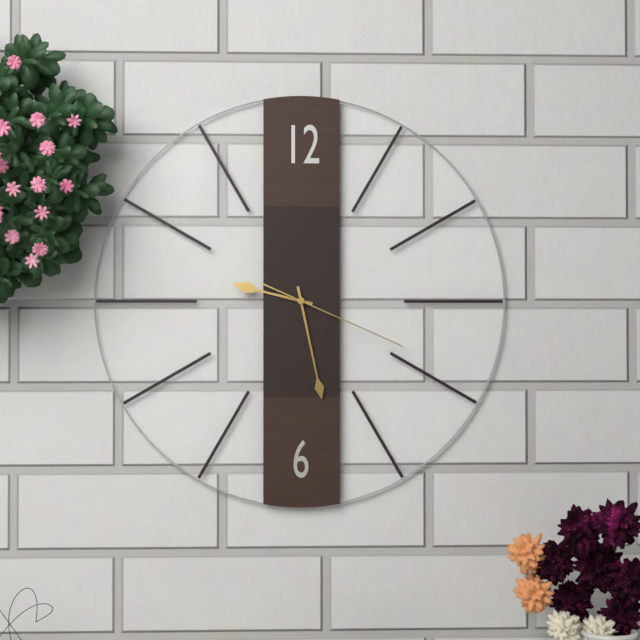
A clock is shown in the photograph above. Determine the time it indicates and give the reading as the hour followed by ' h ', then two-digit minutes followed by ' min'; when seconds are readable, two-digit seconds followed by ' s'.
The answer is 9 h 28 min 19 s
